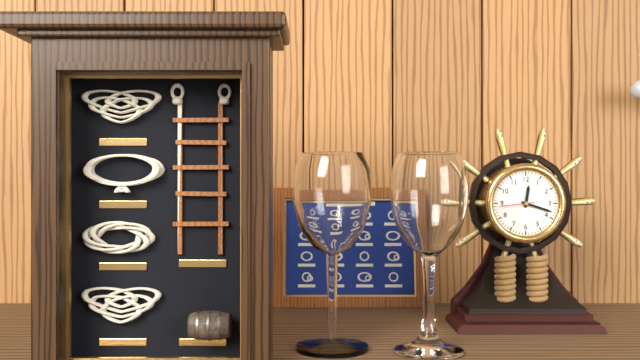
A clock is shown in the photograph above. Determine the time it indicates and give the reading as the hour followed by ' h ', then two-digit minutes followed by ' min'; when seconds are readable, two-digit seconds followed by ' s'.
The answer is 12 h 18 min
